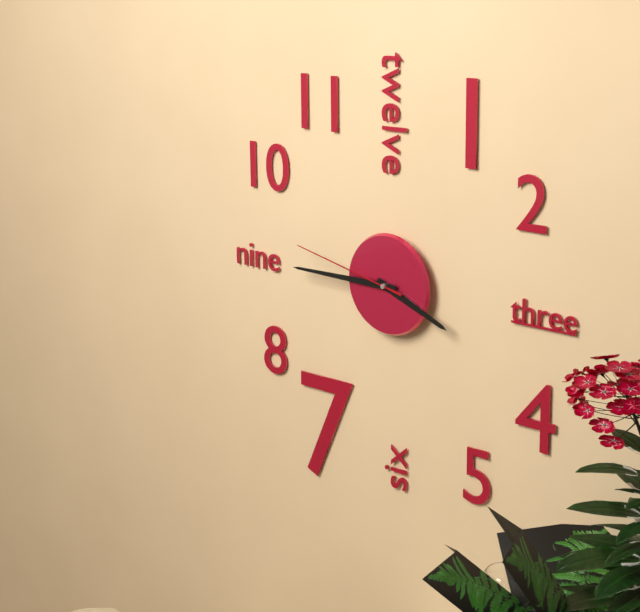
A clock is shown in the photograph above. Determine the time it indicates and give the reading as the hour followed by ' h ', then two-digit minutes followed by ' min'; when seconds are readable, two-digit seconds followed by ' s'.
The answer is 3 h 45 min 47 s
